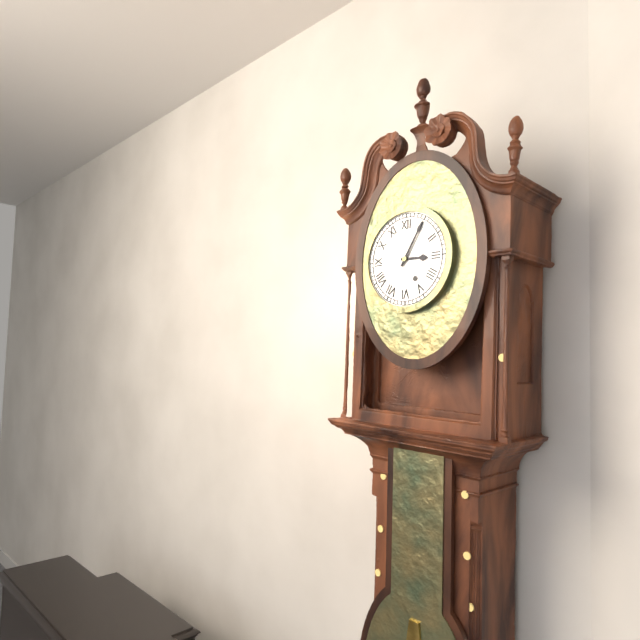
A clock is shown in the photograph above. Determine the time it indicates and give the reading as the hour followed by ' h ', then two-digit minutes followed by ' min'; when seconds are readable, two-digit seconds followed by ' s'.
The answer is 3 h 05 min
